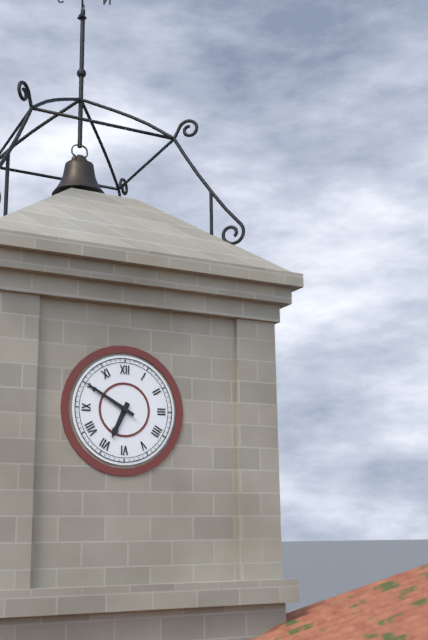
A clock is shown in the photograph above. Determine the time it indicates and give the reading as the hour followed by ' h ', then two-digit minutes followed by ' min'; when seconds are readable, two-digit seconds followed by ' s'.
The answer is 6 h 50 min
